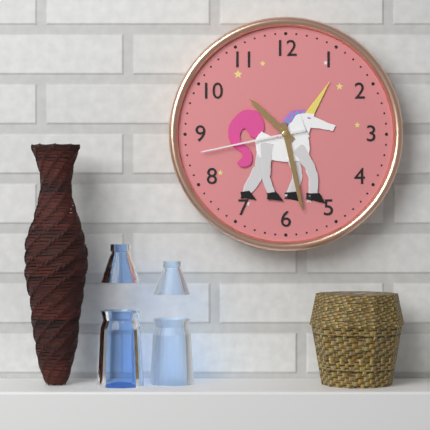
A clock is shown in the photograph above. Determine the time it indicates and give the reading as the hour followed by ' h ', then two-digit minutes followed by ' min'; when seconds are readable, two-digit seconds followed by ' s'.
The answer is 10 h 28 min 43 s
